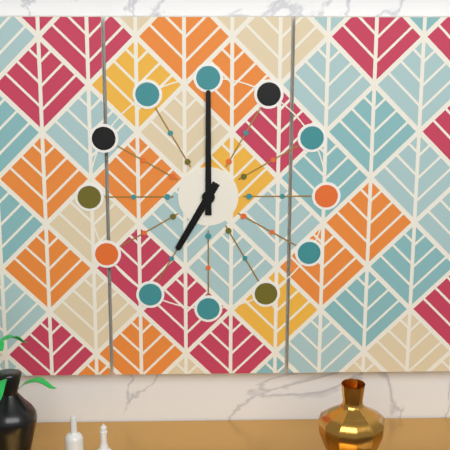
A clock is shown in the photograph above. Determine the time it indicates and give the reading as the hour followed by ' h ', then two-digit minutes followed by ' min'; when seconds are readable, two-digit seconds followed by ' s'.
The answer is 7 h 00 min
